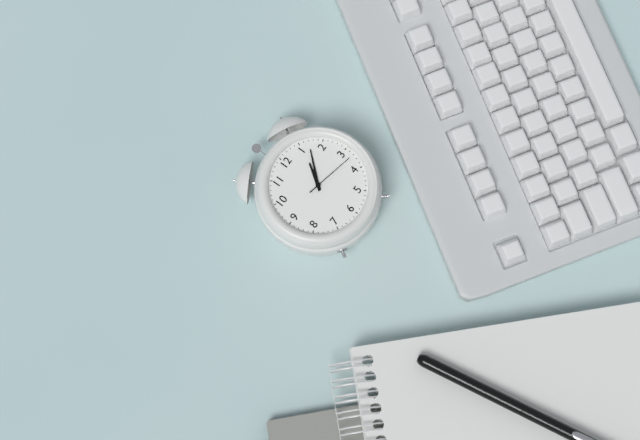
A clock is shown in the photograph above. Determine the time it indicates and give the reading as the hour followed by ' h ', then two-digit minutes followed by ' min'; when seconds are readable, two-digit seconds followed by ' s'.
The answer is 1 h 07 min 17 s
